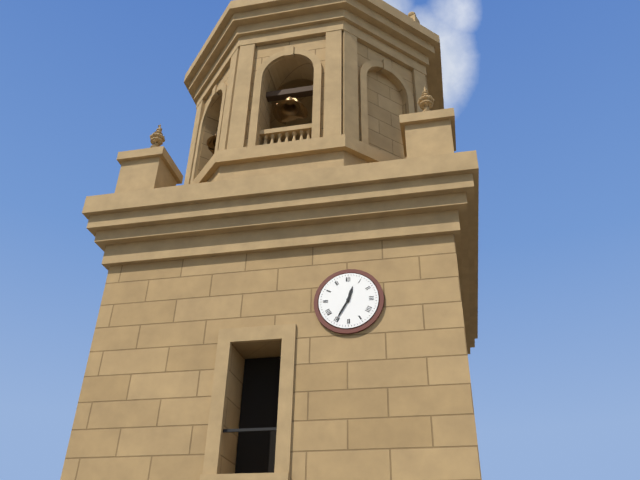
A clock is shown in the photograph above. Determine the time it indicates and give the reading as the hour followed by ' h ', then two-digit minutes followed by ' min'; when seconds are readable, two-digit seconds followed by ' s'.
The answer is 12 h 35 min
